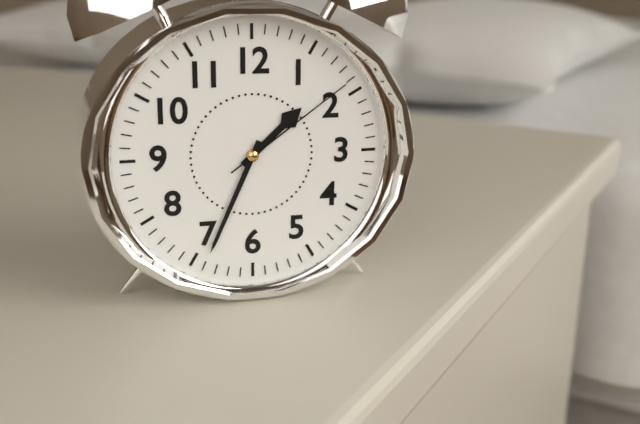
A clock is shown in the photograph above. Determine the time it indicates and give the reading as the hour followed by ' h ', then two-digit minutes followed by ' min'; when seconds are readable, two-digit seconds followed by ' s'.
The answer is 1 h 34 min 09 s
